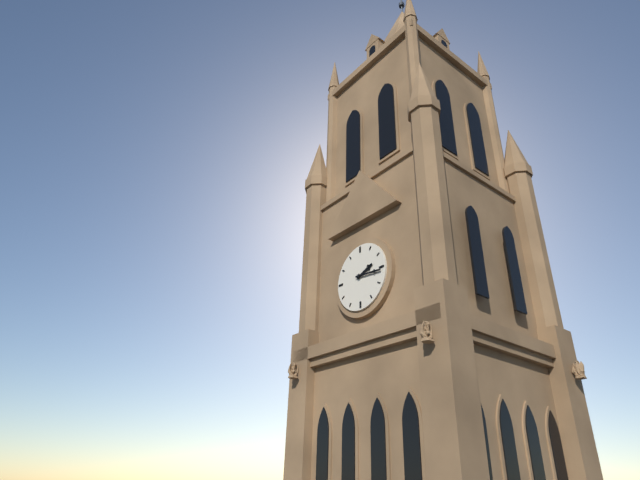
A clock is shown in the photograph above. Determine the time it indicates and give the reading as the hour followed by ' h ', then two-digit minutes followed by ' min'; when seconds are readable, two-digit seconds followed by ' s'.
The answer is 2 h 16 min
